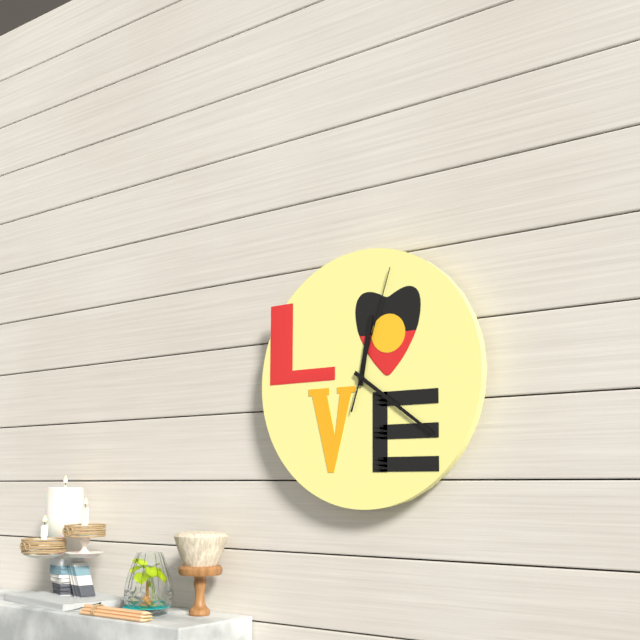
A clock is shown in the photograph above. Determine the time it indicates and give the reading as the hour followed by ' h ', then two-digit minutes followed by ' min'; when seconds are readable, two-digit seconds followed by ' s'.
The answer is 12 h 21 min 03 s
